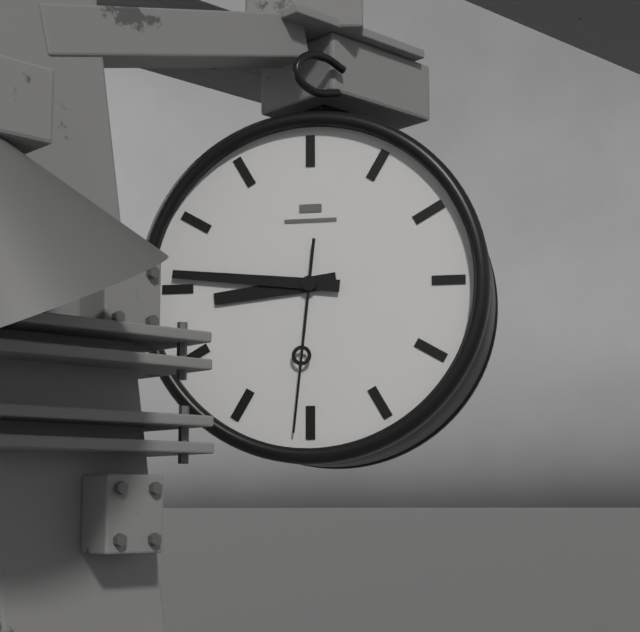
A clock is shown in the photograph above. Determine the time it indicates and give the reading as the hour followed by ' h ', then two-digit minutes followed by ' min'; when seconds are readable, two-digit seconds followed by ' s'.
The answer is 8 h 46 min 31 s
